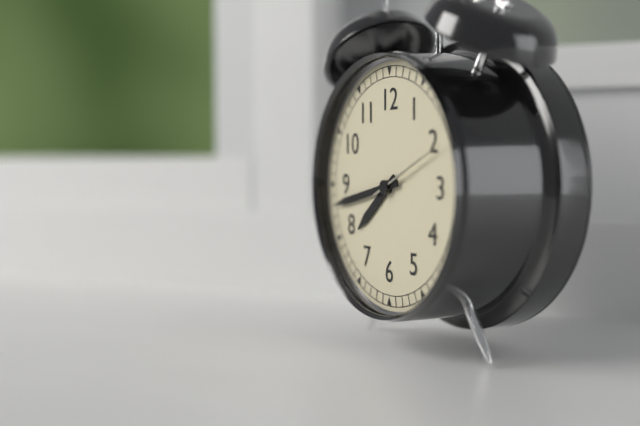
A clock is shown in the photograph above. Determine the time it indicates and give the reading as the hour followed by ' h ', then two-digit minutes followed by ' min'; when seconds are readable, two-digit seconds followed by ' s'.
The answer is 7 h 43 min 11 s
